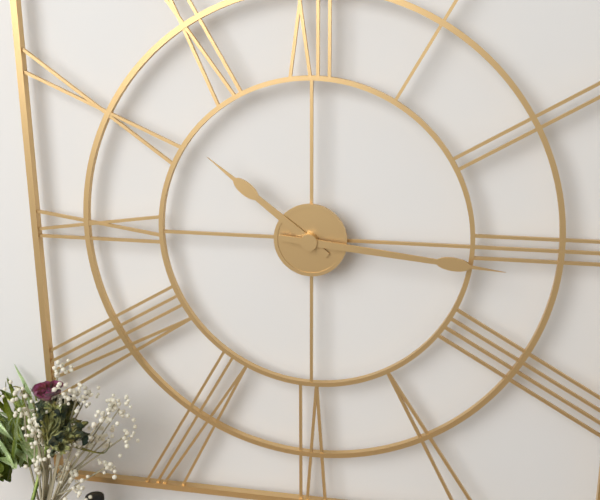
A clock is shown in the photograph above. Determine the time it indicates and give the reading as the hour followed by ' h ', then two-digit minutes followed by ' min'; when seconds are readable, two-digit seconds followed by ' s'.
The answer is 10 h 16 min
